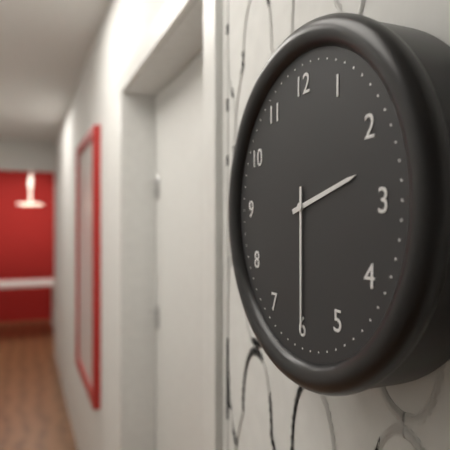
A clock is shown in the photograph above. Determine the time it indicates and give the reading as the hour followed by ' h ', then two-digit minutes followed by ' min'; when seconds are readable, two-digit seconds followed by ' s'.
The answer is 2 h 30 min
